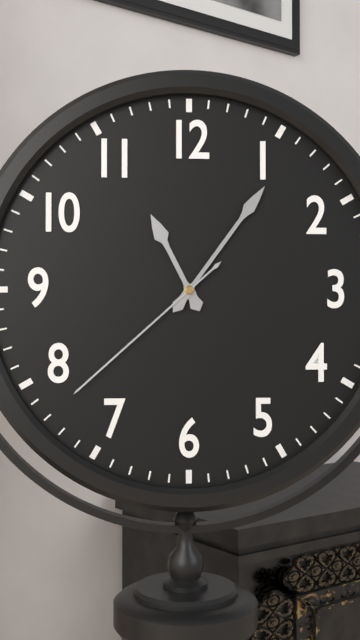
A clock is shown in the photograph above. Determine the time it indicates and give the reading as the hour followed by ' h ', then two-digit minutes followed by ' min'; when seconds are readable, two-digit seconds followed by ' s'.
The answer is 11 h 06 min 38 s
